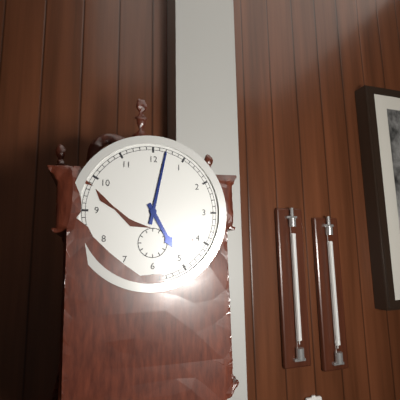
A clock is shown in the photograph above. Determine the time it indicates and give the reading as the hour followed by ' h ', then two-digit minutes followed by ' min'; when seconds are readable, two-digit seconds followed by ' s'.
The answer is 5 h 02 min
